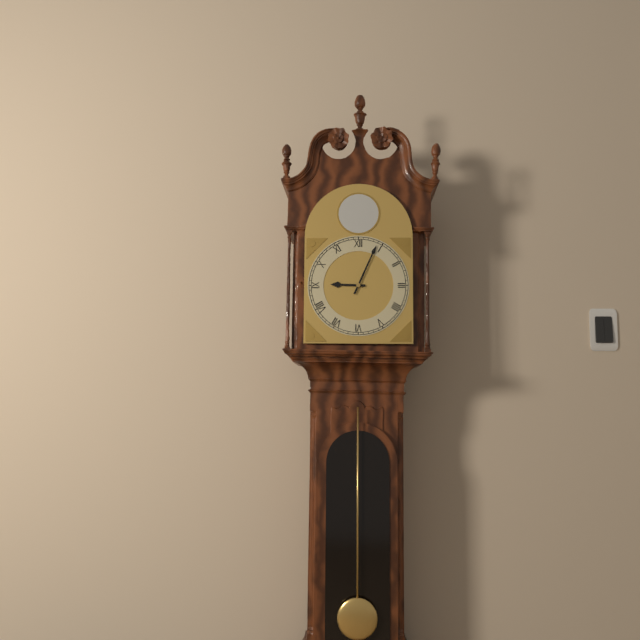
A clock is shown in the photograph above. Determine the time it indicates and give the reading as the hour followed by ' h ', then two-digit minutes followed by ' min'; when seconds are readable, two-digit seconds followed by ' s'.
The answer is 9 h 04 min
